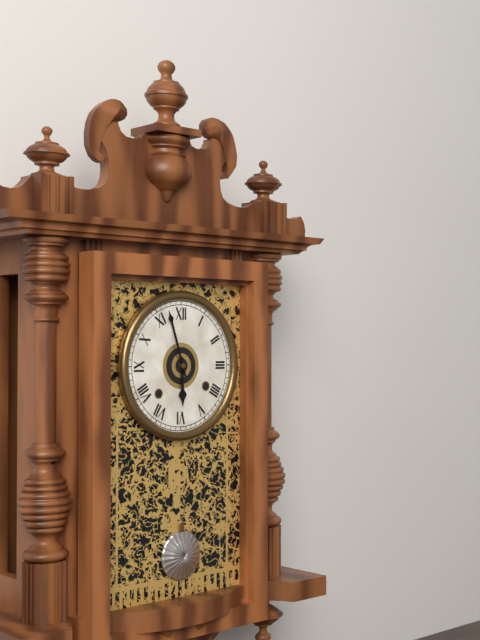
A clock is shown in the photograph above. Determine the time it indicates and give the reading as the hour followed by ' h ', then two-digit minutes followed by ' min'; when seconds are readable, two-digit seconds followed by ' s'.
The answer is 5 h 57 min
